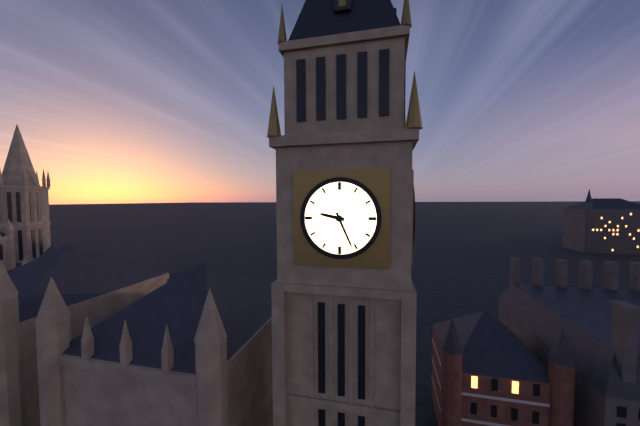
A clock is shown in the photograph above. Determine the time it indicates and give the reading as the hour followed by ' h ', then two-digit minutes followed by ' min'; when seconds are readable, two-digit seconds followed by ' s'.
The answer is 9 h 26 min
